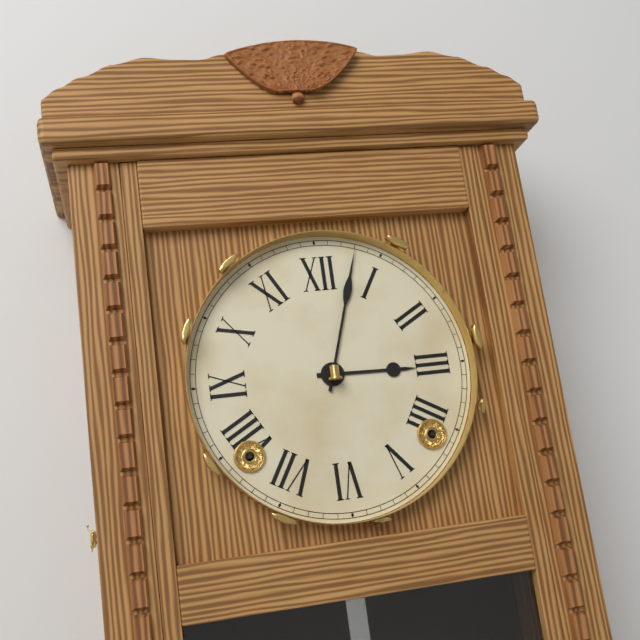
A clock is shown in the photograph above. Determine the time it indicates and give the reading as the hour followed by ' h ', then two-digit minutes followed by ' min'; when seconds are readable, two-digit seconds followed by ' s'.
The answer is 3 h 03 min
